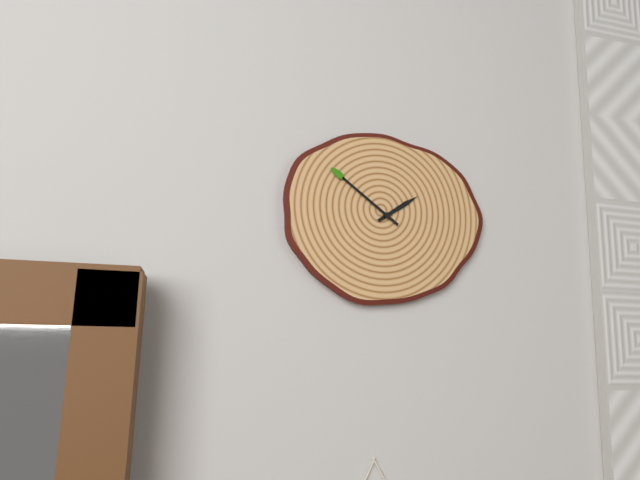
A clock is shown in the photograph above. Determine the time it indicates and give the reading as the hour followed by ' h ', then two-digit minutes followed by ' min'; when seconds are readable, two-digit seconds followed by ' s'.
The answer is 1 h 51 min
